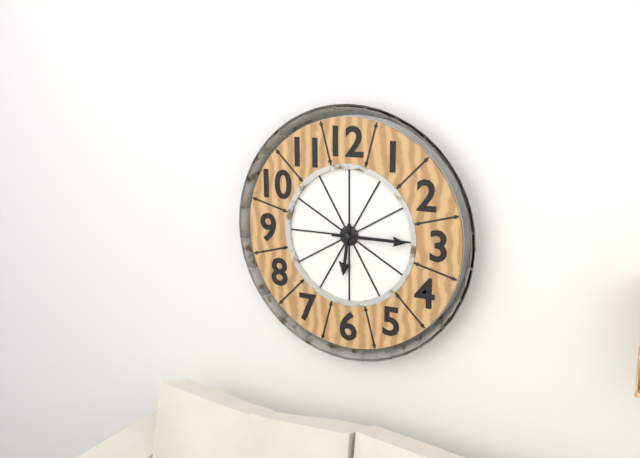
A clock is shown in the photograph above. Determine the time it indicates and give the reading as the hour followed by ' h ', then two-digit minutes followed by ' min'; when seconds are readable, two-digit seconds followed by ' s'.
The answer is 6 h 15 min
